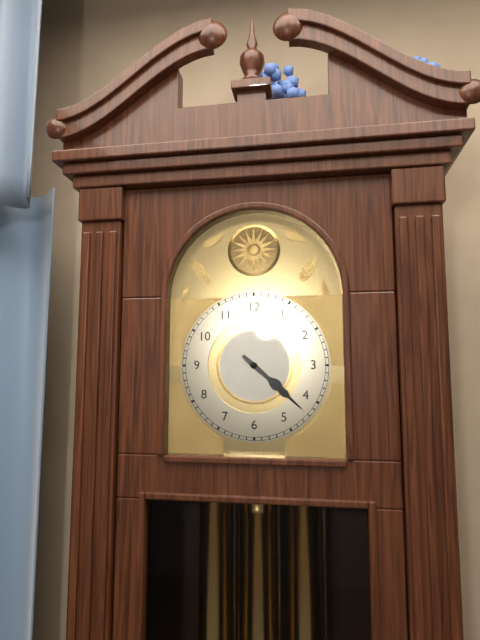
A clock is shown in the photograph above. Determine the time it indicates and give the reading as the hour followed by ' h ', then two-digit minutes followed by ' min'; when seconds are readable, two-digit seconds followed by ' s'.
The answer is 4 h 22 min
